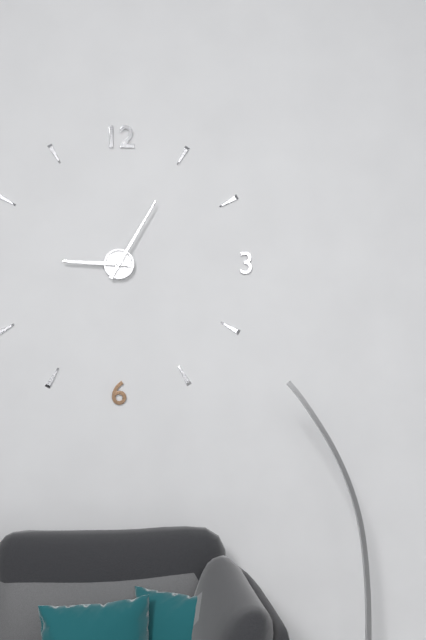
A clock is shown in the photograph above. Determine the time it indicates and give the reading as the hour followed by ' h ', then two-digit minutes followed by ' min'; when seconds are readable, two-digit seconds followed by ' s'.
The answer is 9 h 05 min
